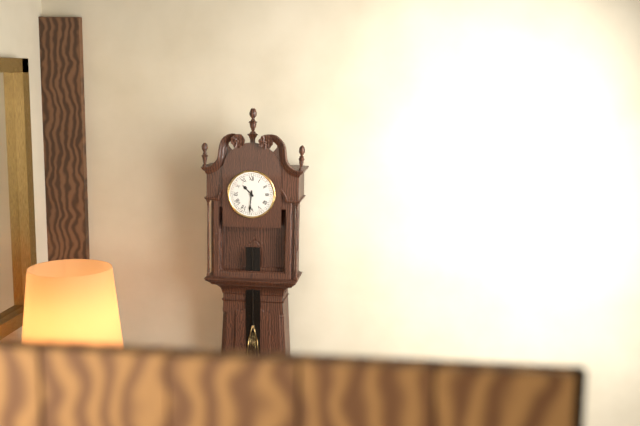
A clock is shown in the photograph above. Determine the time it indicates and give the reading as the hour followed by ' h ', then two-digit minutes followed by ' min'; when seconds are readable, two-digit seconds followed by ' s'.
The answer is 10 h 31 min
